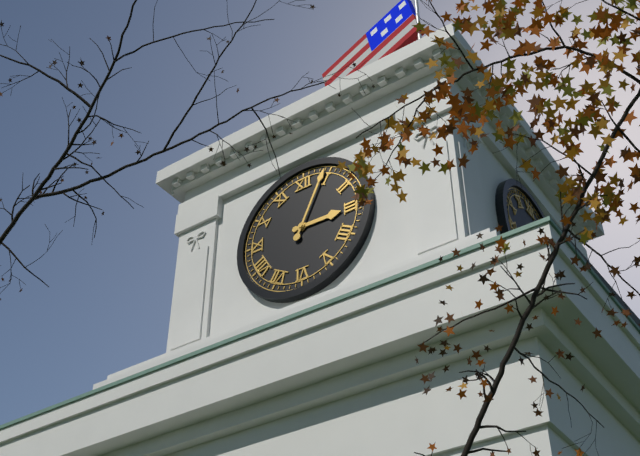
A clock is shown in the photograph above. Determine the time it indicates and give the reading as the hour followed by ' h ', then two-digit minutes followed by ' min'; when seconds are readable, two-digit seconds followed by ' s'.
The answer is 3 h 04 min
